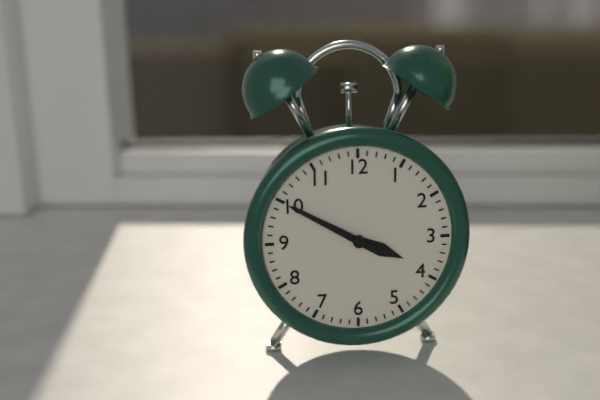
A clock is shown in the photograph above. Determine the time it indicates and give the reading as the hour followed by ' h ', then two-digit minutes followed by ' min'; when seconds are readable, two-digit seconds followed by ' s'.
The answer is 3 h 50 min
